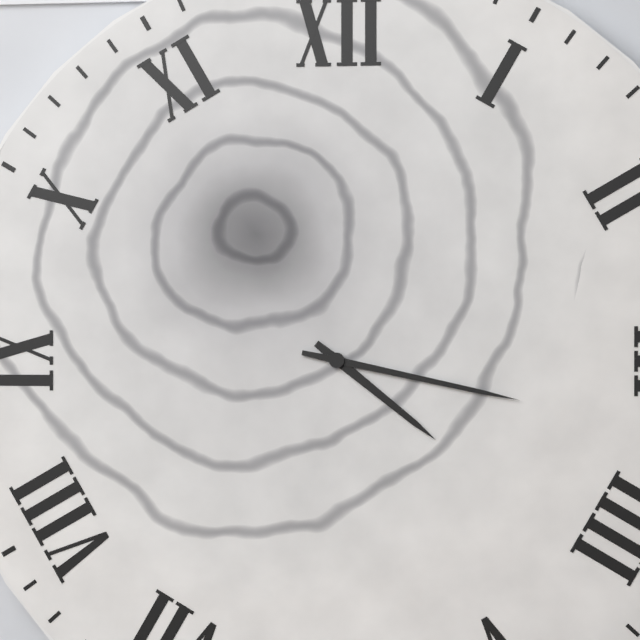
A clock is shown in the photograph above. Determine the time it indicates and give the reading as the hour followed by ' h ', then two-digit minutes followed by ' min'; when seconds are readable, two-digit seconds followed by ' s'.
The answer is 4 h 17 min
